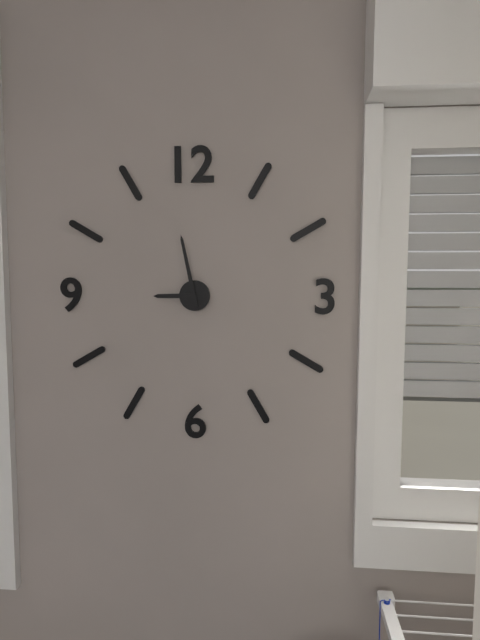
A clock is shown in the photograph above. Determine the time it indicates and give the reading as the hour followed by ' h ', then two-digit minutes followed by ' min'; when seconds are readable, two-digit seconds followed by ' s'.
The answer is 8 h 58 min
